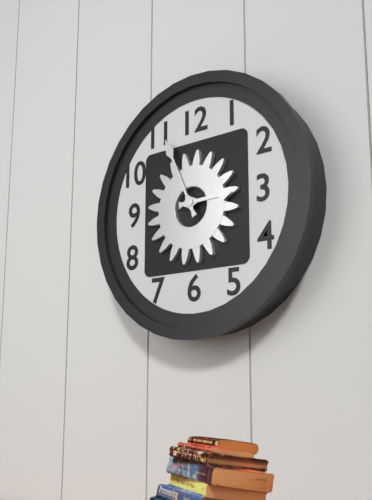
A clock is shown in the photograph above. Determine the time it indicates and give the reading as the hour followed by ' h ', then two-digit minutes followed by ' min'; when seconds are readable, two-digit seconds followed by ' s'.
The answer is 2 h 56 min
